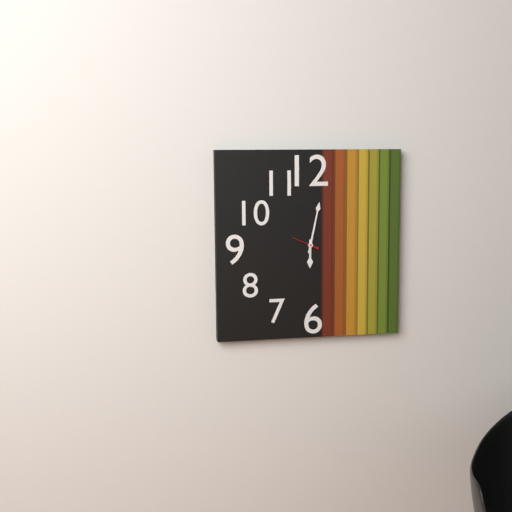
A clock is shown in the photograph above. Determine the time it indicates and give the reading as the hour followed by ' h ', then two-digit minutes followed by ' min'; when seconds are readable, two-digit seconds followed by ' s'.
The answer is 6 h 02 min
